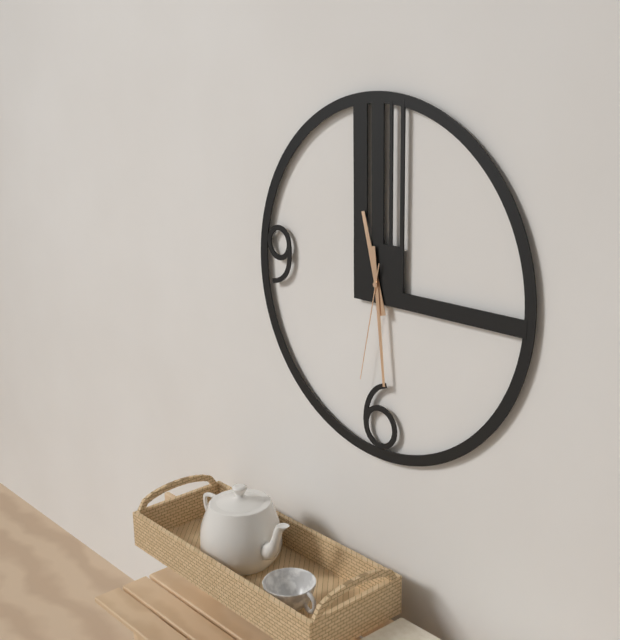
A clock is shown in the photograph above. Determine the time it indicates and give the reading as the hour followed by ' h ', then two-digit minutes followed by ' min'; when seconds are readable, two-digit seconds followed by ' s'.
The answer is 11 h 29 min 32 s
